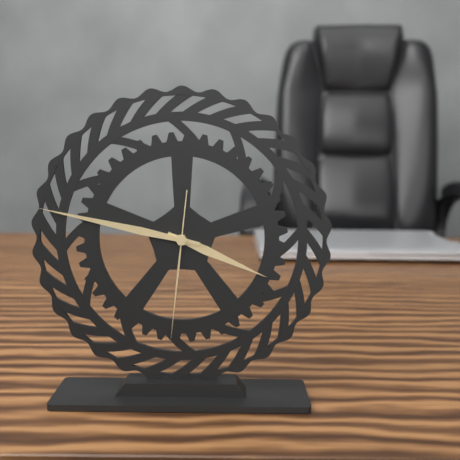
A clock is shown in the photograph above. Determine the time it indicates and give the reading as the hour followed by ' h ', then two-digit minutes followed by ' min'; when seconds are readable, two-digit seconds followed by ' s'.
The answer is 3 h 47 min 31 s
